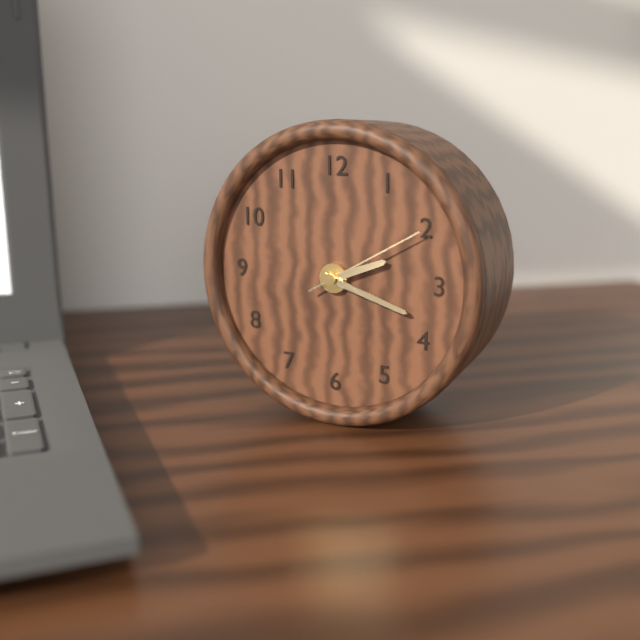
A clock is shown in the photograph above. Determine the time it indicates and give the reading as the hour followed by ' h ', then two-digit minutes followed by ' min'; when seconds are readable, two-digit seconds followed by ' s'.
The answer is 2 h 18 min 10 s
